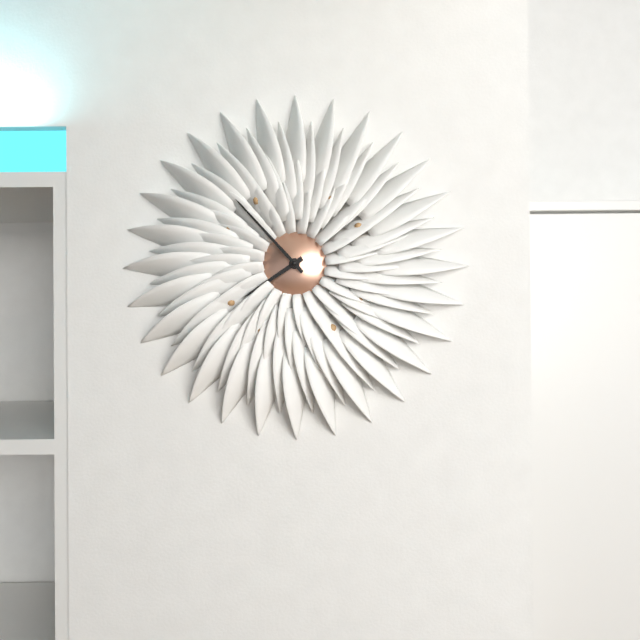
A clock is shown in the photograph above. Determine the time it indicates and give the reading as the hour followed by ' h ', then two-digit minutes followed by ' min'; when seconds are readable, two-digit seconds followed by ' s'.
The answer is 7 h 53 min
